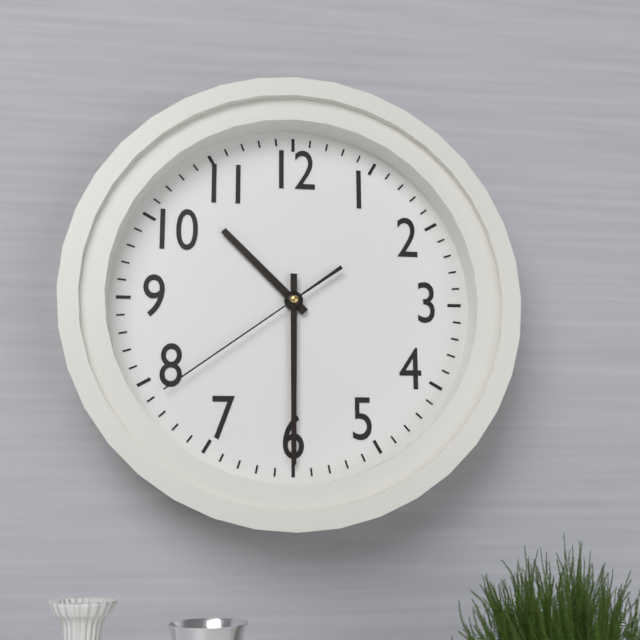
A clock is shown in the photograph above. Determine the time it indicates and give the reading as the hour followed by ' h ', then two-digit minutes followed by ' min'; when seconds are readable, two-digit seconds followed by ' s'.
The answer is 10 h 30 min 39 s
